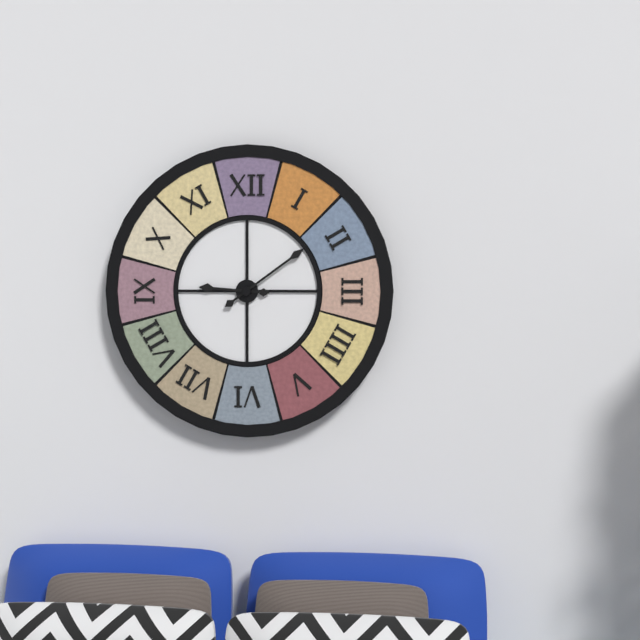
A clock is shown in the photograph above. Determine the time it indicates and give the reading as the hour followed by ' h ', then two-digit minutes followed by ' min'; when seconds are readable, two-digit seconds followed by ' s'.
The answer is 9 h 09 min
